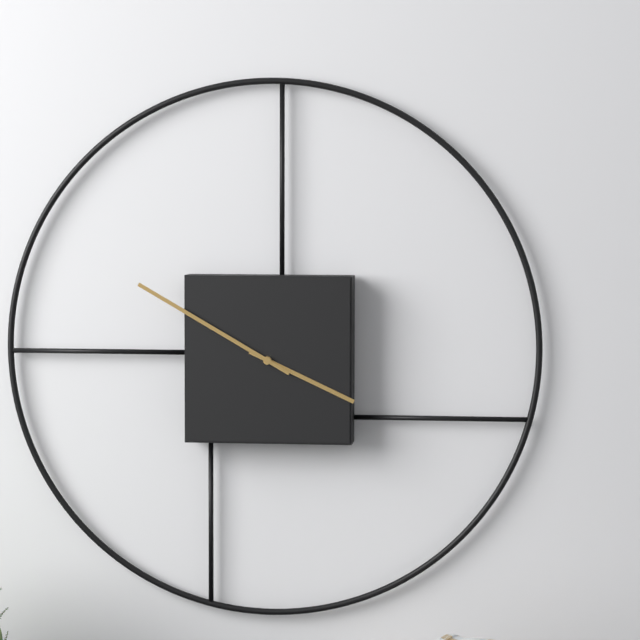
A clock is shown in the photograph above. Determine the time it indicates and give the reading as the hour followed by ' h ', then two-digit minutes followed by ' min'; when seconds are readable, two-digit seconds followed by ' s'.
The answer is 3 h 50 min
